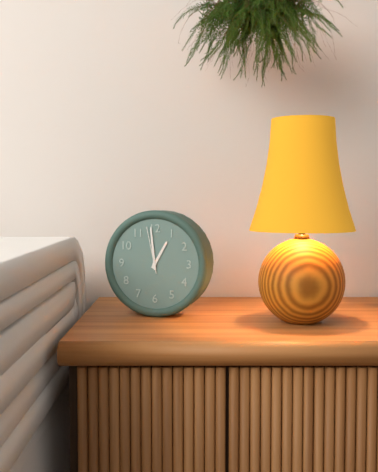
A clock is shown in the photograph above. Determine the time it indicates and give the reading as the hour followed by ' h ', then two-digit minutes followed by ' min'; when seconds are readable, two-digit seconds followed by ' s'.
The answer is 12 h 59 min
